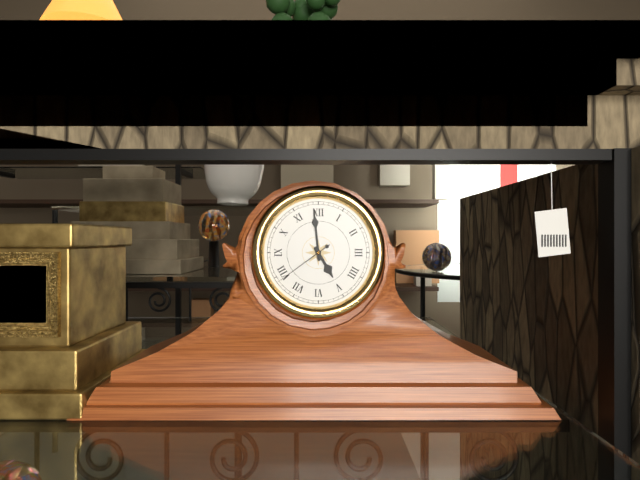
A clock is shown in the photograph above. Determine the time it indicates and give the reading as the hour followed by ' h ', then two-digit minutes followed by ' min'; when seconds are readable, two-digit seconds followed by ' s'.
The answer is 4 h 59 min 39 s
